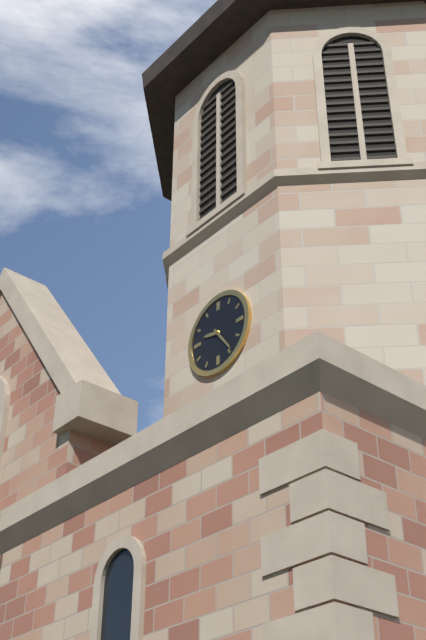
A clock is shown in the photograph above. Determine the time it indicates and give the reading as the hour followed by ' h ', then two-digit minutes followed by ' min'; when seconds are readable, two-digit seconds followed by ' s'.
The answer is 9 h 24 min
